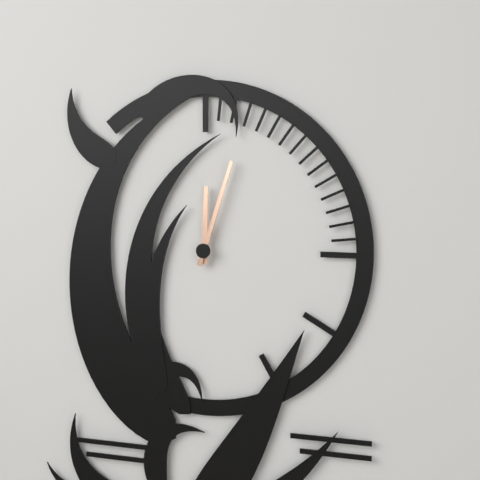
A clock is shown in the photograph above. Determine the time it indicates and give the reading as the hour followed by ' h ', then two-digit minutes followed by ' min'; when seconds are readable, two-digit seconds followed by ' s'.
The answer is 12 h 03 min
